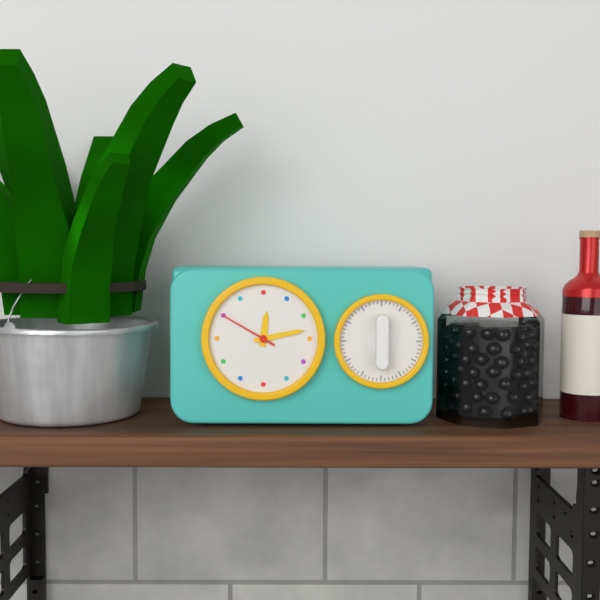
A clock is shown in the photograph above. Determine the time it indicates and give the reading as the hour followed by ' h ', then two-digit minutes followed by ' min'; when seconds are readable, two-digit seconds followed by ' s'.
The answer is 12 h 13 min 50 s
